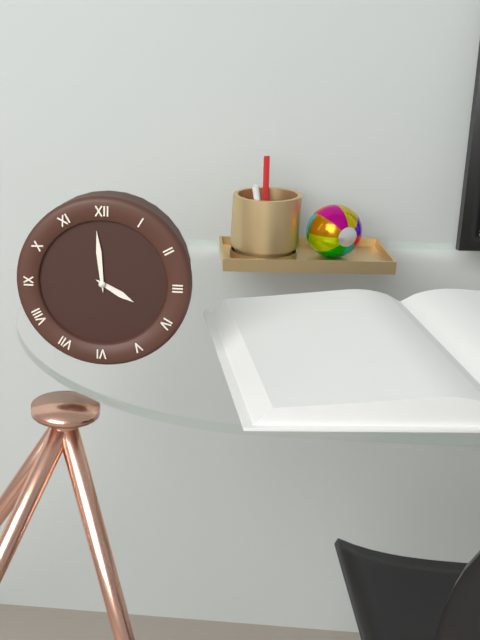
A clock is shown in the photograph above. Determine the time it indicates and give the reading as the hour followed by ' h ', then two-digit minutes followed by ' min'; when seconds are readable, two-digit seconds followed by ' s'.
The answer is 3 h 59 min
